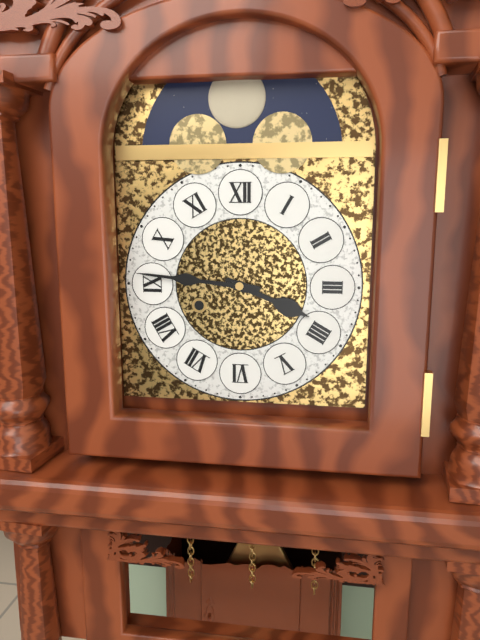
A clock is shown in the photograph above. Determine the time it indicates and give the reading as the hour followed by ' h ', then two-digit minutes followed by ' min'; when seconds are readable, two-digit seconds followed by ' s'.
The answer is 3 h 46 min
